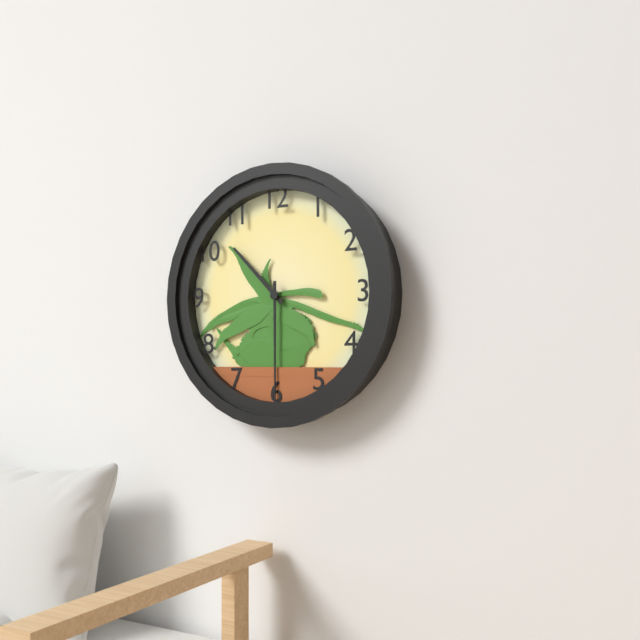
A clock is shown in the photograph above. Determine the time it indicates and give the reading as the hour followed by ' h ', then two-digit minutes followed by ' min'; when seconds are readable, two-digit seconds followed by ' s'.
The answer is 10 h 30 min
